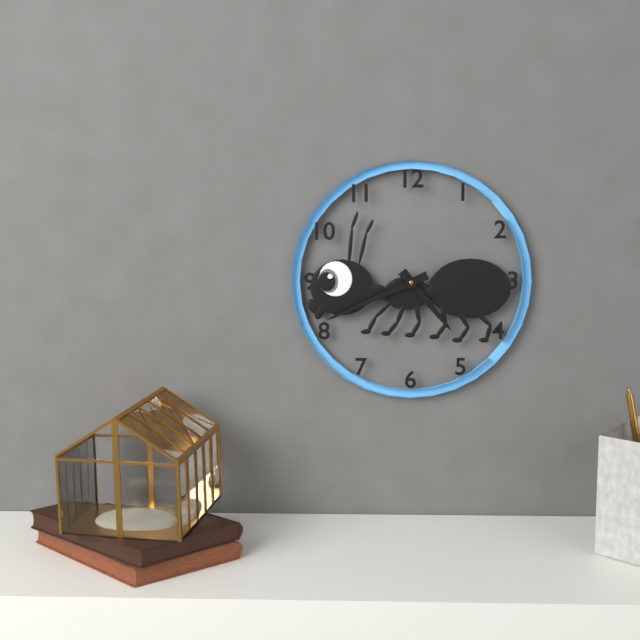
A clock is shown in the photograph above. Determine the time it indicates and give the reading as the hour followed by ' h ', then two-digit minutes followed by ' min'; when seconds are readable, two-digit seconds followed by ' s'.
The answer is 4 h 41 min
